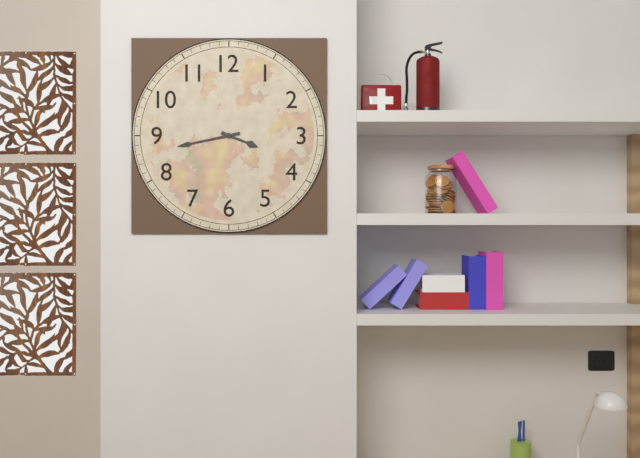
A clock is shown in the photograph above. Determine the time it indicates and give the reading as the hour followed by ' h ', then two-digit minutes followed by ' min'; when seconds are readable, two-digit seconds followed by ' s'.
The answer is 3 h 43 min
